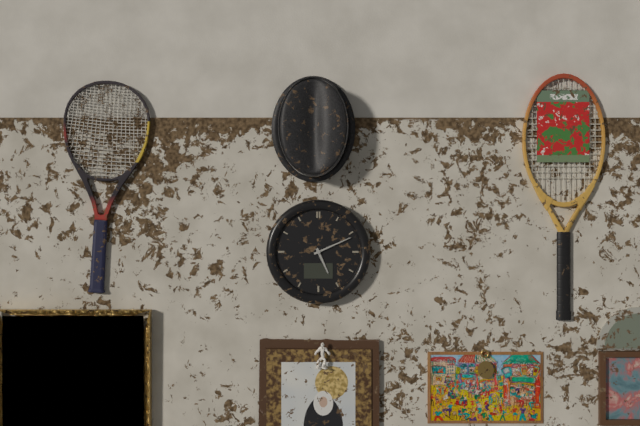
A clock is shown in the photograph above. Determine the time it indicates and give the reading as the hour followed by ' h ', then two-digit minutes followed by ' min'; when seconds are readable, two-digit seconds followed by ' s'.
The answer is 5 h 11 min
